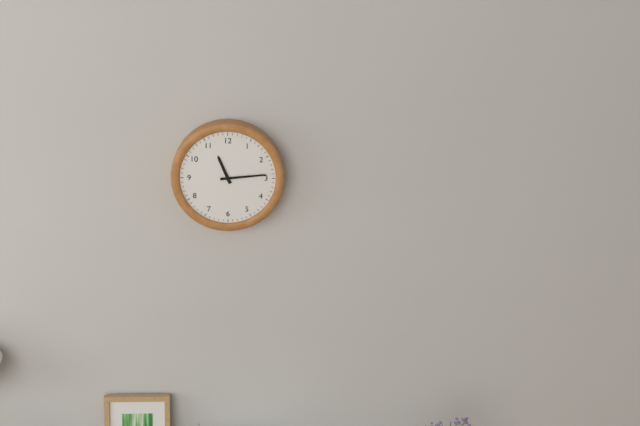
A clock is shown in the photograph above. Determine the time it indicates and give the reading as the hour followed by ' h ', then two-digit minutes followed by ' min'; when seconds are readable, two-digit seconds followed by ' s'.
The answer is 11 h 14 min
